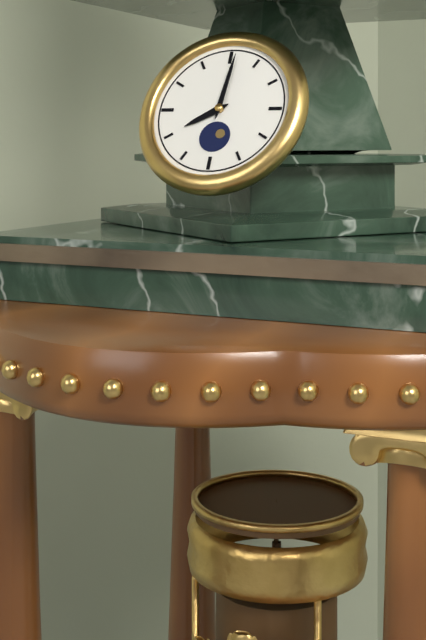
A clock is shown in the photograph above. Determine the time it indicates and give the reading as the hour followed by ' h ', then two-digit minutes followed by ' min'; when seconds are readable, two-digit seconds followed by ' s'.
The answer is 8 h 01 min
